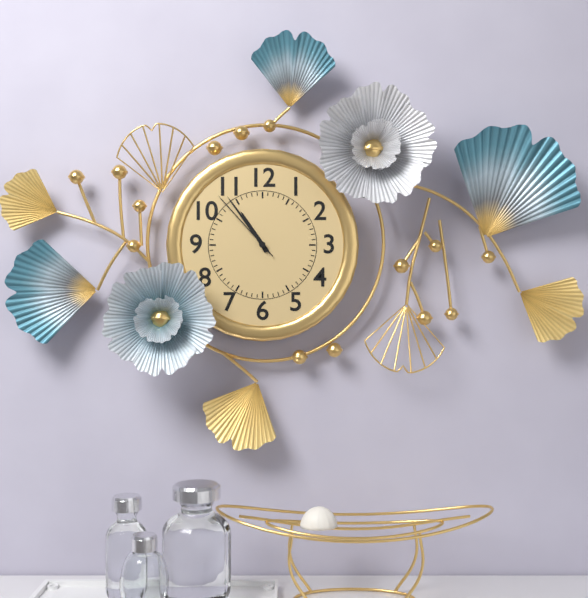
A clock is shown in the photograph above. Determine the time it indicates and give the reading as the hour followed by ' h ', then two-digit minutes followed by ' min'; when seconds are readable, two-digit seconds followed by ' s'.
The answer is 10 h 54 min 53 s
